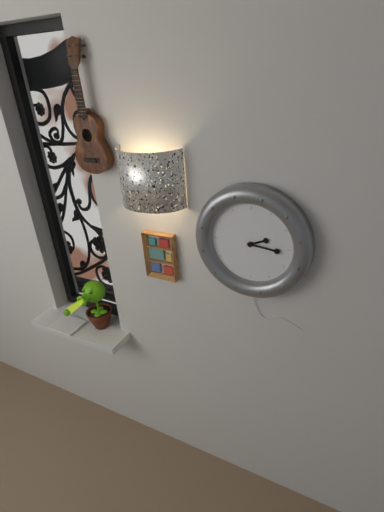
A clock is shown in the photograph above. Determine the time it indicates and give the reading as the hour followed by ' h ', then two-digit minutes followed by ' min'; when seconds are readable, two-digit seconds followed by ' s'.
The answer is 2 h 16 min
